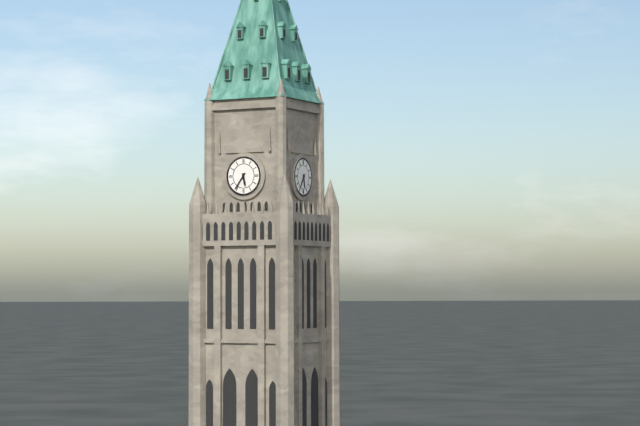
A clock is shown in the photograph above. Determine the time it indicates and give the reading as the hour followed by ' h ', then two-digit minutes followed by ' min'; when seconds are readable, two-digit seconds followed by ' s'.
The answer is 5 h 36 min
